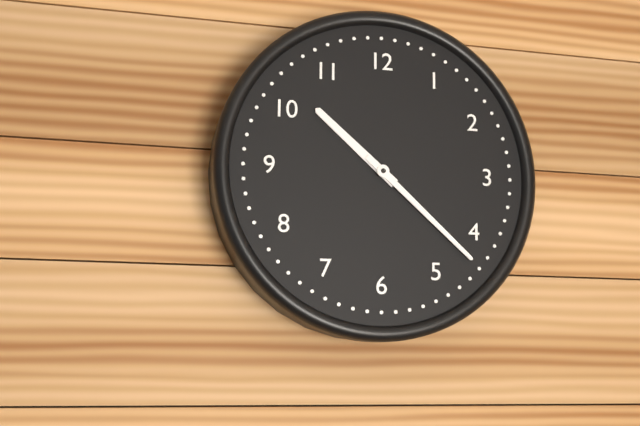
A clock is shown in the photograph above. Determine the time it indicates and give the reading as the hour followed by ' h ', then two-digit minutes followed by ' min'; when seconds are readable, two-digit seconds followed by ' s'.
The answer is 10 h 22 min
